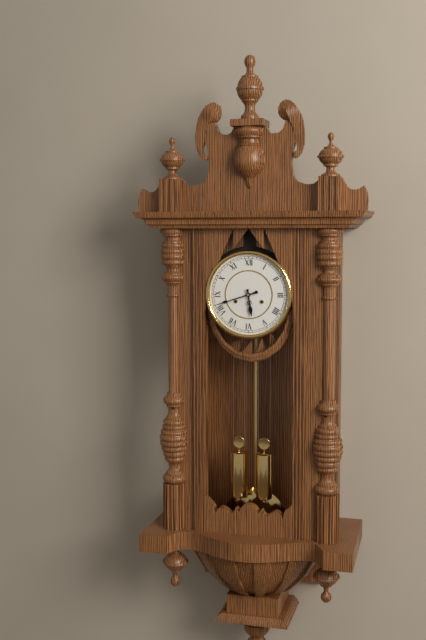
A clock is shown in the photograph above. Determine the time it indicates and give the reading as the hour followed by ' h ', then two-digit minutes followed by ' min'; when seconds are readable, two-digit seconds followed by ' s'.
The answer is 5 h 42 min
